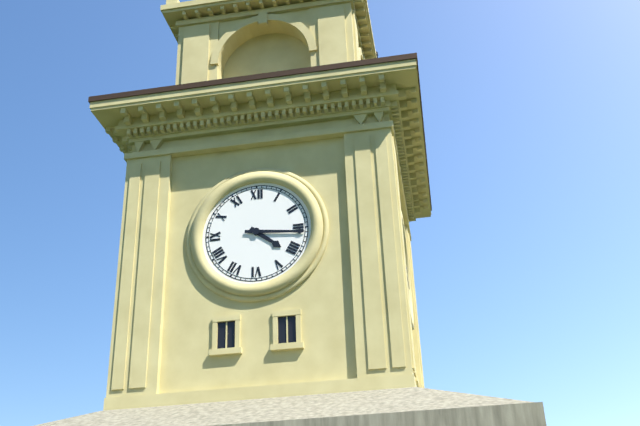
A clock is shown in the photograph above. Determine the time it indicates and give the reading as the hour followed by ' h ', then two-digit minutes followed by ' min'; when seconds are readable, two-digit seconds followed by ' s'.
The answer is 4 h 16 min
